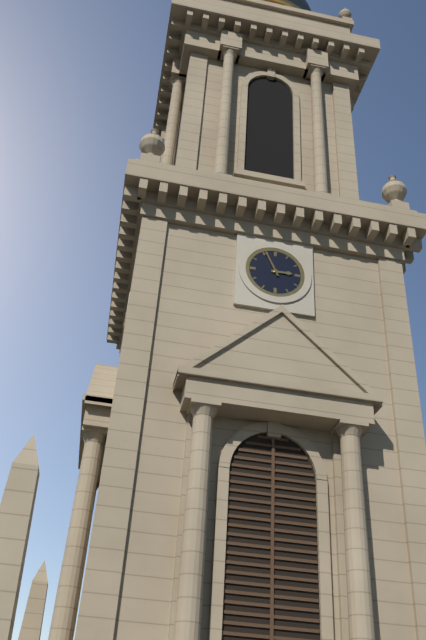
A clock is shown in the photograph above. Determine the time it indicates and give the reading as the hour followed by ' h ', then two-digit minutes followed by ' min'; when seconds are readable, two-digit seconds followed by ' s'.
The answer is 2 h 56 min
